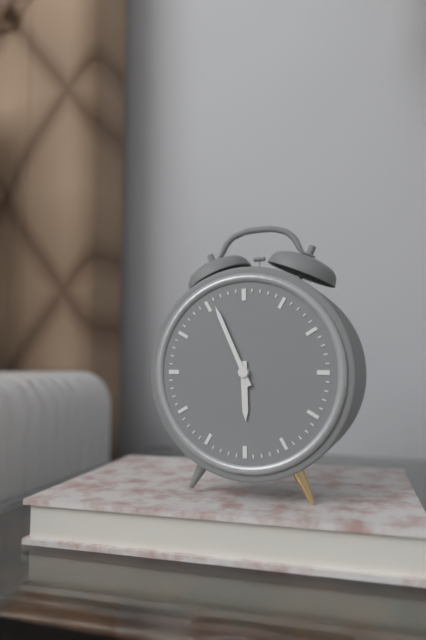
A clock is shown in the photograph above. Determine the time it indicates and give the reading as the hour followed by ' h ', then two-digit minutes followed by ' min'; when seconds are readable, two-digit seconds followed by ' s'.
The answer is 5 h 56 min
